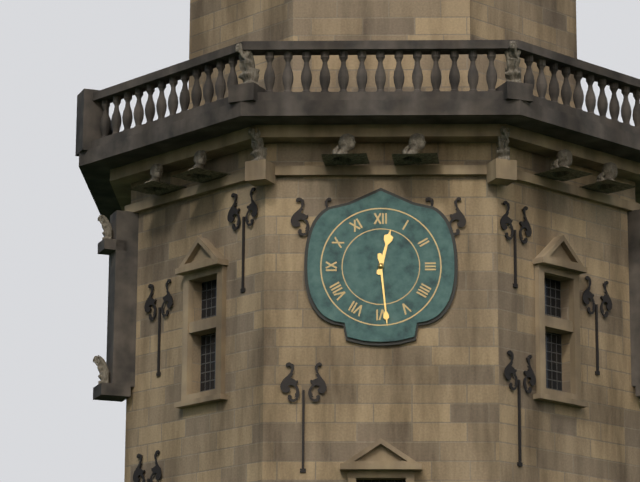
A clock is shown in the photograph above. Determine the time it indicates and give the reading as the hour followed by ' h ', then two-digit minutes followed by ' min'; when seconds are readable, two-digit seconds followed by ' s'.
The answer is 12 h 29 min
